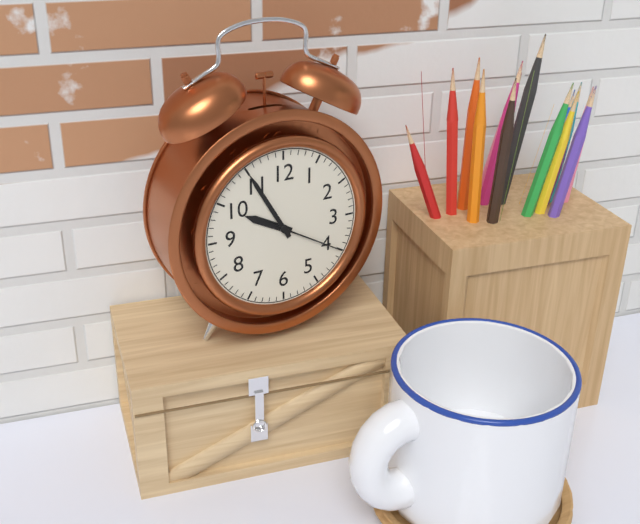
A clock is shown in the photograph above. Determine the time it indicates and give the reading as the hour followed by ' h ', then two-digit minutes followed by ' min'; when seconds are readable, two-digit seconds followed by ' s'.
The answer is 9 h 55 min 20 s
